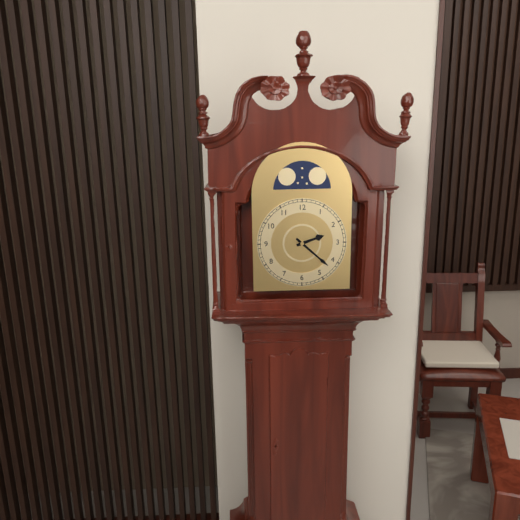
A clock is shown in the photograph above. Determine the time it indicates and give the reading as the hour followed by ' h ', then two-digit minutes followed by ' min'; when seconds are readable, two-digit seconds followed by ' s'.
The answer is 2 h 22 min
